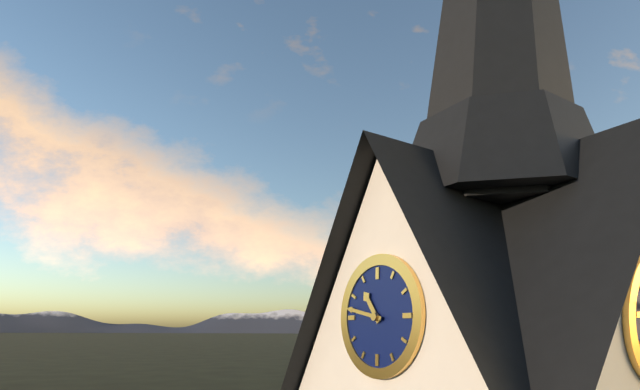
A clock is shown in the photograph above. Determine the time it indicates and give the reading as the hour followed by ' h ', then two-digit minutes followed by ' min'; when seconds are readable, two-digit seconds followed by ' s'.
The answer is 10 h 47 min
